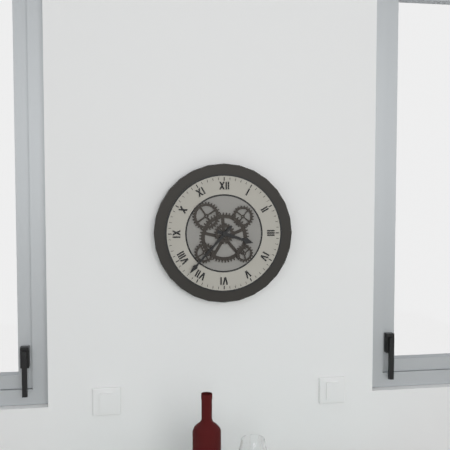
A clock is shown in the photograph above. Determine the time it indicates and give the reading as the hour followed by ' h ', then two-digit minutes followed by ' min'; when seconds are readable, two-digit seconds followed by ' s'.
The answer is 3 h 37 min
